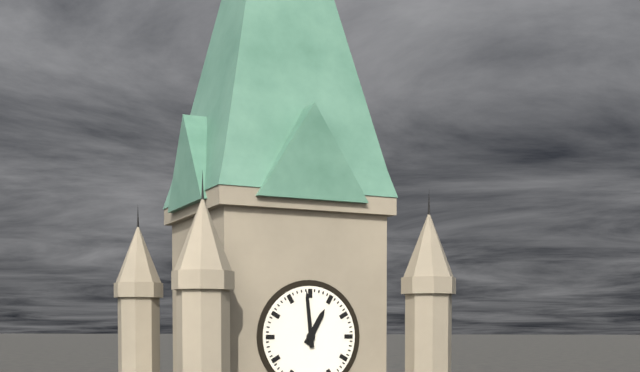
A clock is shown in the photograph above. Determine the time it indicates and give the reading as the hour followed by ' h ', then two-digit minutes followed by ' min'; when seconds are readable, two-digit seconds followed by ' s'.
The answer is 12 h 59 min
